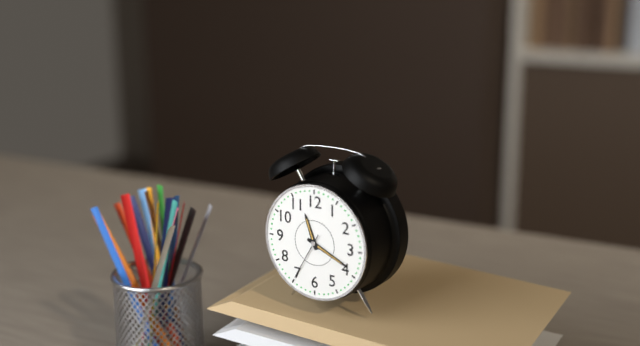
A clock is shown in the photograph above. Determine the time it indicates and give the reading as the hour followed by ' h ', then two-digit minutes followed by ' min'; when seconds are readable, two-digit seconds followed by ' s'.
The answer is 11 h 19 min 35 s
